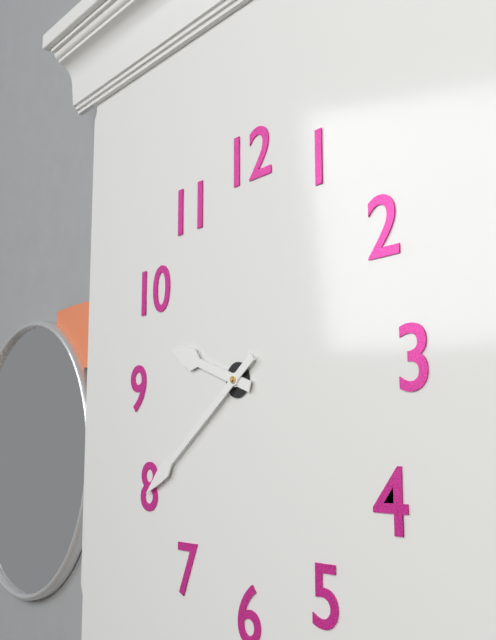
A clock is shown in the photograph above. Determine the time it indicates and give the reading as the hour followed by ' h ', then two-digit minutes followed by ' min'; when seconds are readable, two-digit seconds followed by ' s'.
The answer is 9 h 39 min
